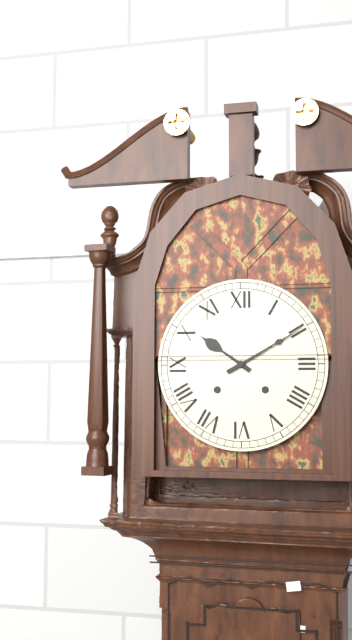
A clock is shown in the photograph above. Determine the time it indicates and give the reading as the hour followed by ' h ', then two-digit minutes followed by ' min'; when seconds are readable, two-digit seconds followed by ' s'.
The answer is 10 h 10 min
